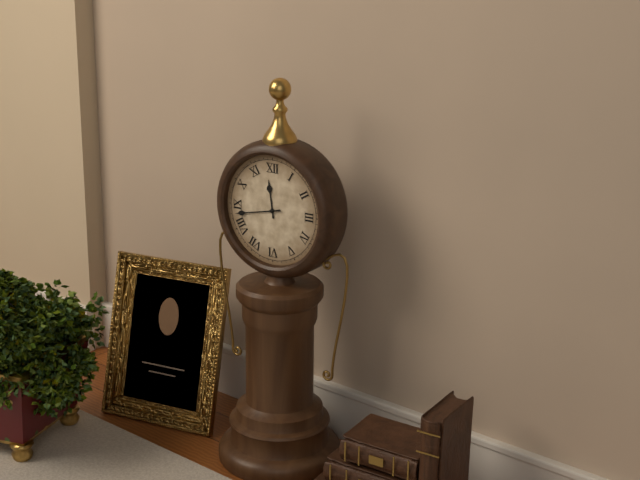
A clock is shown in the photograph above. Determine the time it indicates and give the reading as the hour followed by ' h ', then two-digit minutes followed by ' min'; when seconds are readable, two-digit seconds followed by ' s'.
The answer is 11 h 43 min
